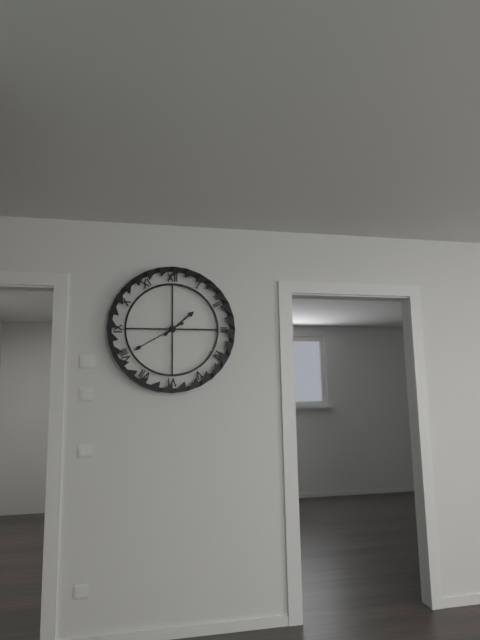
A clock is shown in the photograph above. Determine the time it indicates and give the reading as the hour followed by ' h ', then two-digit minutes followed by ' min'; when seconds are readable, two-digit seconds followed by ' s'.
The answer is 1 h 40 min
